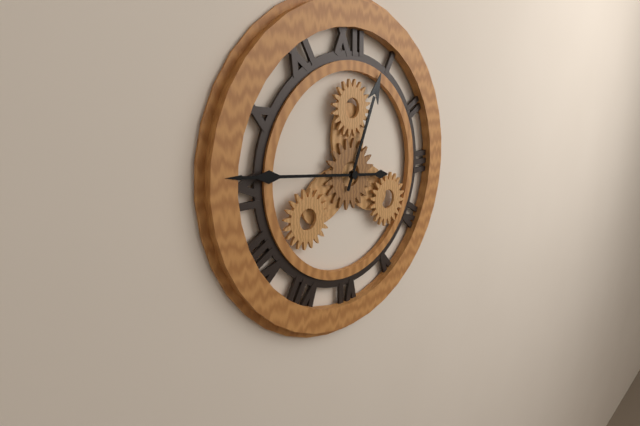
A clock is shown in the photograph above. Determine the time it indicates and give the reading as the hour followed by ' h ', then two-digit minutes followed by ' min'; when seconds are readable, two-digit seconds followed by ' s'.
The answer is 12 h 46 min
